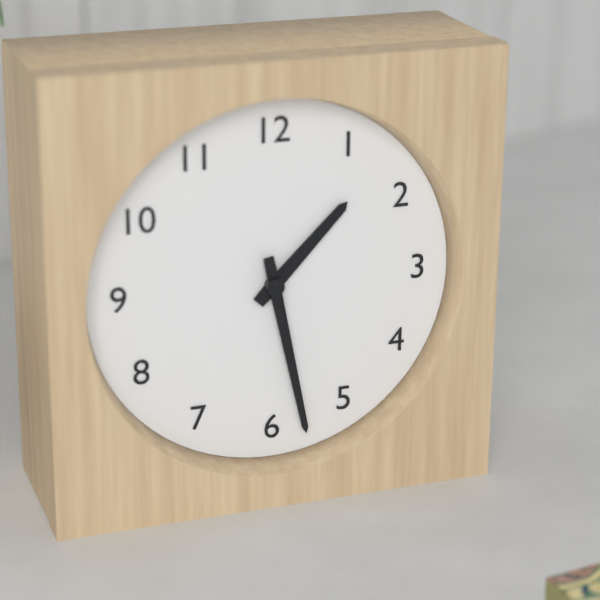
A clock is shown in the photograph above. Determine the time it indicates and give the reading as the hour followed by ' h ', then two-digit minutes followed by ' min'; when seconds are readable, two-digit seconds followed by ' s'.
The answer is 1 h 28 min
